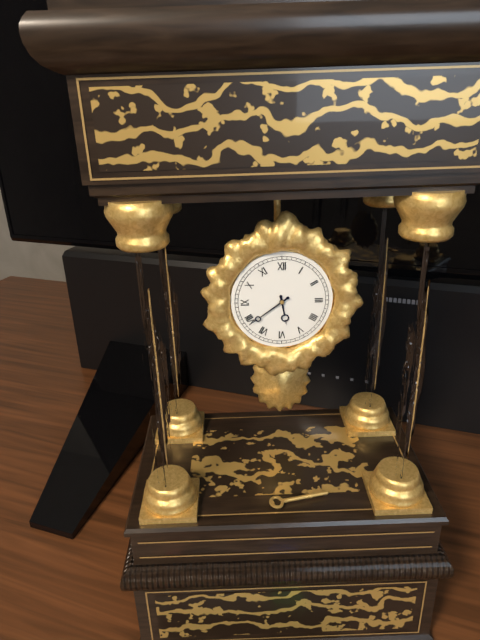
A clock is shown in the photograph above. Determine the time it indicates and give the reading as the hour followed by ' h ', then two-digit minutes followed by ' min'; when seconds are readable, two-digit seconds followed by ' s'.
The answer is 5 h 39 min
